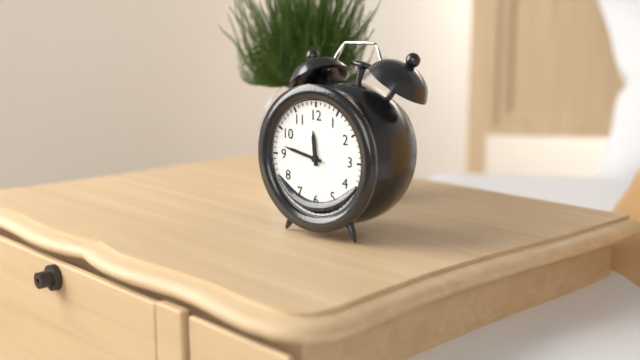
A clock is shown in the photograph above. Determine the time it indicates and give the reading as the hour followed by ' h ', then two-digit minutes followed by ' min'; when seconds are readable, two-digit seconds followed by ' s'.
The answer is 11 h 47 min
